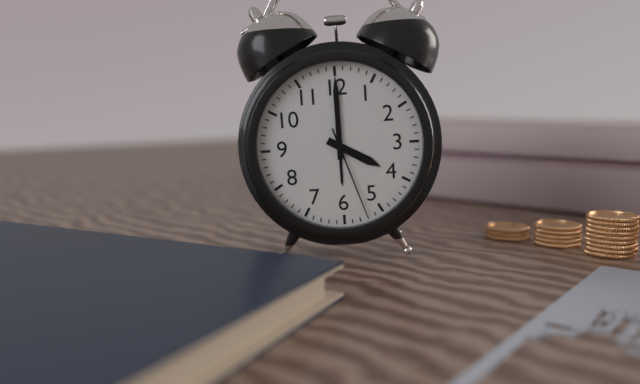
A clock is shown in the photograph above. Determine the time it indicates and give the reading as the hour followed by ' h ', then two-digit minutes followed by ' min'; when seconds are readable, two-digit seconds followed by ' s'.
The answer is 4 h 00 min 27 s
